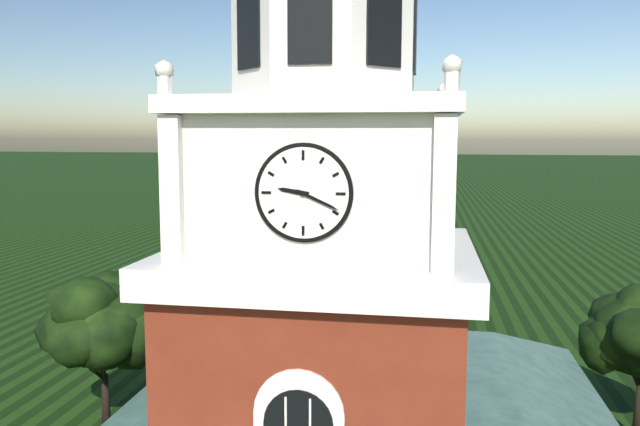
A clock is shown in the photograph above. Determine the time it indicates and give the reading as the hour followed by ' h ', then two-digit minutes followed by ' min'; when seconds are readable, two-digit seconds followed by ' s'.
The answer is 9 h 19 min
